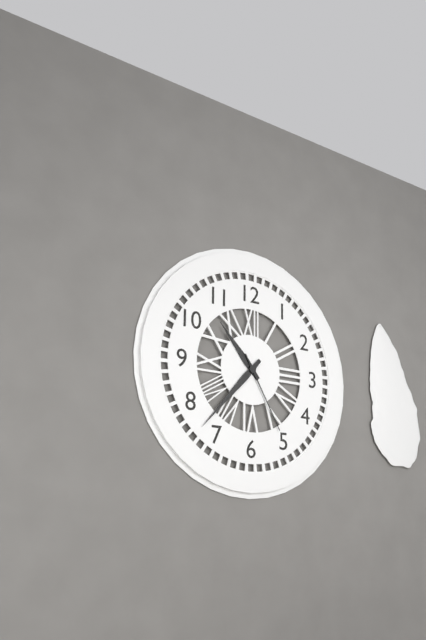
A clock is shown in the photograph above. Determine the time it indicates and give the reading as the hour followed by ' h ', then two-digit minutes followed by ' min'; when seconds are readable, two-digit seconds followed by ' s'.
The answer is 10 h 37 min 25 s
